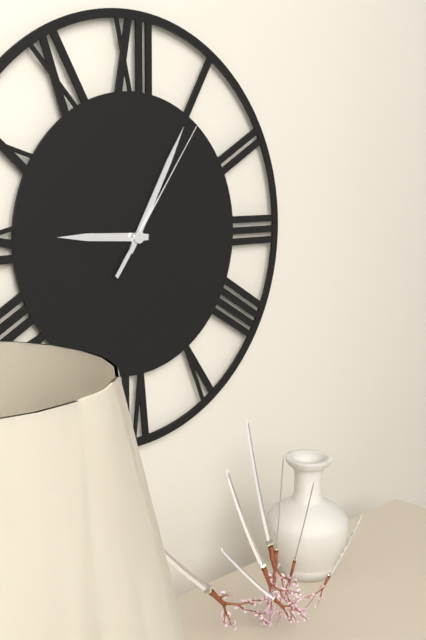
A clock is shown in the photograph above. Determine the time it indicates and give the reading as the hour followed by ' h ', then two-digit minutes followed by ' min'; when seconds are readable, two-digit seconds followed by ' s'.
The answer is 9 h 05 min 06 s
